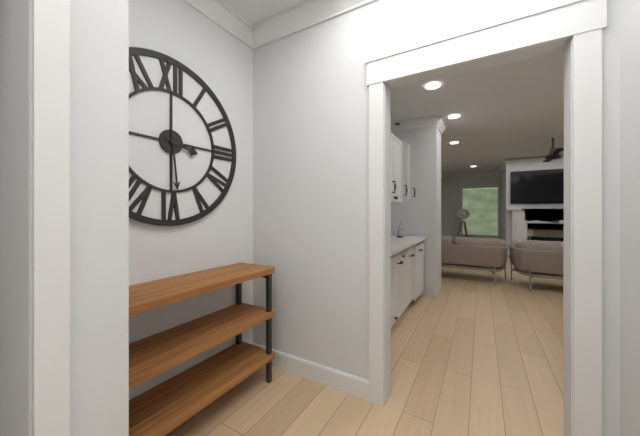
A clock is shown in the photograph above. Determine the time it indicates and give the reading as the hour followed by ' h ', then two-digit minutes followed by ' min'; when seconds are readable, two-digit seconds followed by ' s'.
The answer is 3 h 29 min
